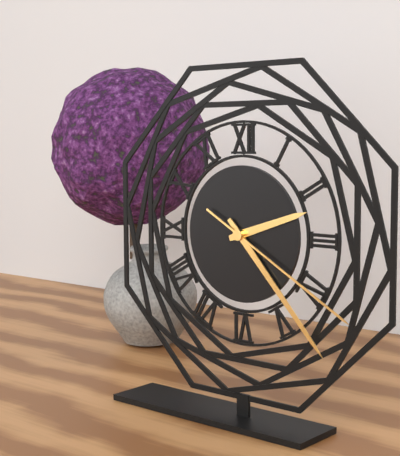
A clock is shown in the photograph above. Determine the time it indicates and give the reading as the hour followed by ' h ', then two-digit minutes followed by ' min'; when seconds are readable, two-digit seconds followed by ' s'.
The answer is 2 h 23 min 20 s
